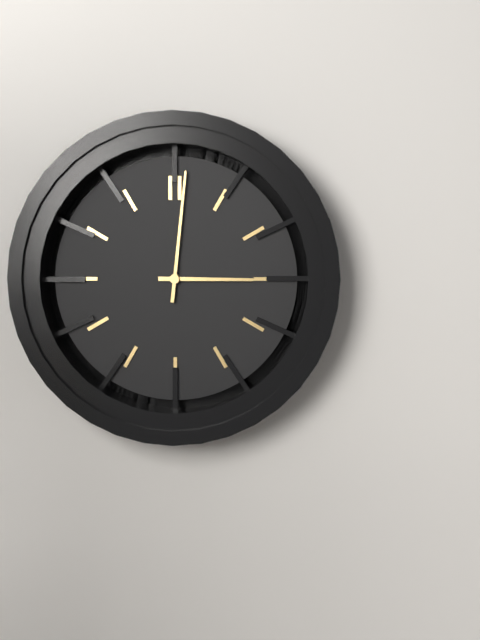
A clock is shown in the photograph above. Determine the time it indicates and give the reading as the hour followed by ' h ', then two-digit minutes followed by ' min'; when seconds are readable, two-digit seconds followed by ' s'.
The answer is 3 h 01 min
